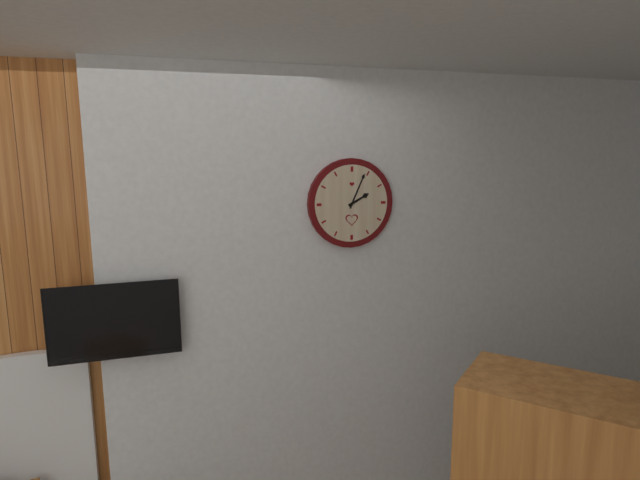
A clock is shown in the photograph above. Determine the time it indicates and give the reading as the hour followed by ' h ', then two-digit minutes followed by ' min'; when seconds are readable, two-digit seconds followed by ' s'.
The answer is 2 h 04 min
